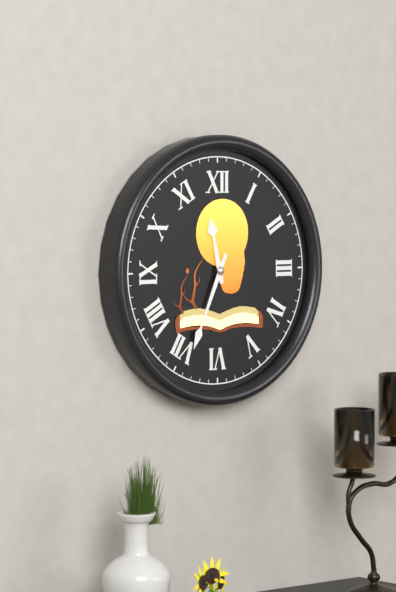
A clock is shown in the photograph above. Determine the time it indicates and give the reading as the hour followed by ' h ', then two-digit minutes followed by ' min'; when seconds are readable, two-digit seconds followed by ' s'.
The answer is 11 h 34 min
